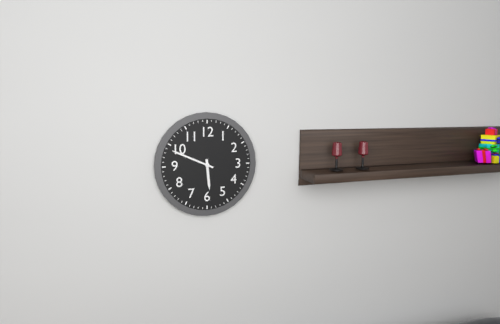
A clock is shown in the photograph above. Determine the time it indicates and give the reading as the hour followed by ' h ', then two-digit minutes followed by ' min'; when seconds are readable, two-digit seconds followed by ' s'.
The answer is 5 h 49 min
